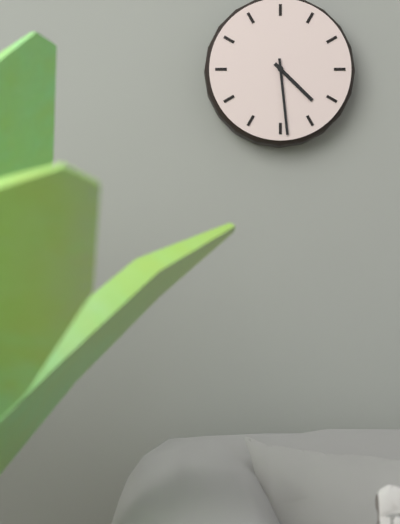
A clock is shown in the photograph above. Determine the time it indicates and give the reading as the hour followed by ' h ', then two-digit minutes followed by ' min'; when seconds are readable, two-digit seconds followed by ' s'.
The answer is 4 h 29 min
